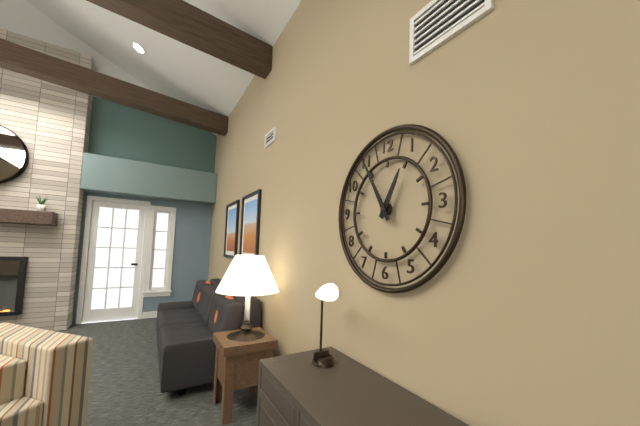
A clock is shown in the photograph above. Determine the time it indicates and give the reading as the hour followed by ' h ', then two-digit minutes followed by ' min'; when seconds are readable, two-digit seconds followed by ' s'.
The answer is 12 h 55 min
